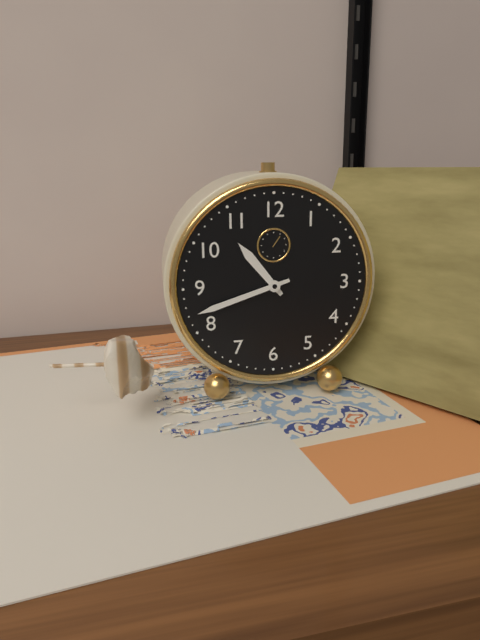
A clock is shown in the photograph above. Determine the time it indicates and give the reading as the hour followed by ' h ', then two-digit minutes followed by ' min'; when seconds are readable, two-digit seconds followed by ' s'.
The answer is 10 h 42 min
